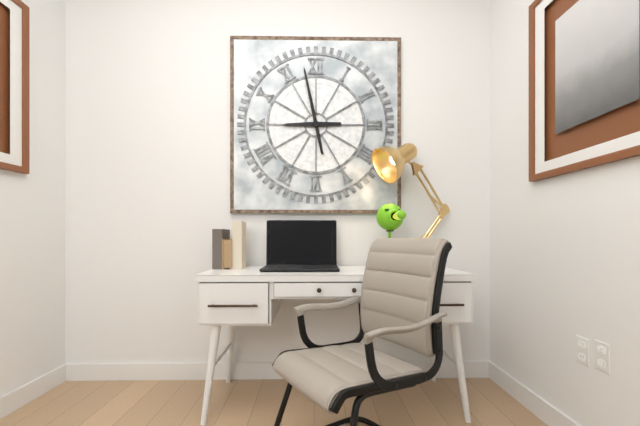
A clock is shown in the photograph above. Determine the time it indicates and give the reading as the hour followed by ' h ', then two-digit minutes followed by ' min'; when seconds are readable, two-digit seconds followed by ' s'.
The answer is 8 h 58 min
